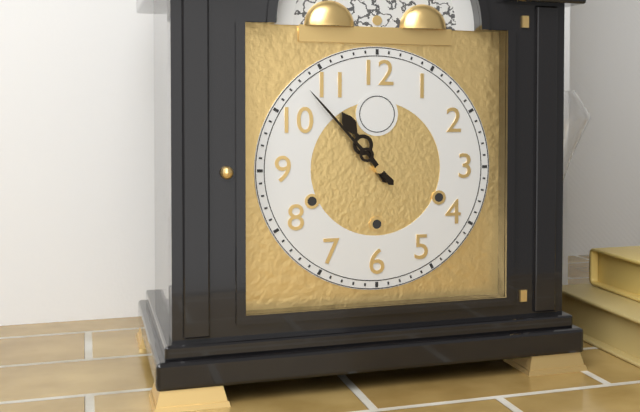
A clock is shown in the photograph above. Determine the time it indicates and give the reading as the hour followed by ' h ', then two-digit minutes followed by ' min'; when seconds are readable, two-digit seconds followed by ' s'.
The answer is 10 h 53 min
